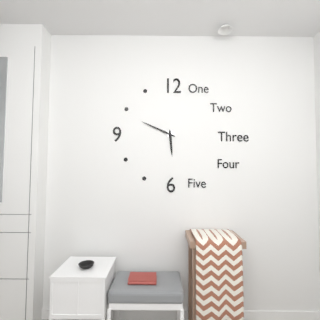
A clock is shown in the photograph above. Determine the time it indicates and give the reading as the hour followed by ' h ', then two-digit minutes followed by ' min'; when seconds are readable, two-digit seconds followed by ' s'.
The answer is 5 h 49 min
